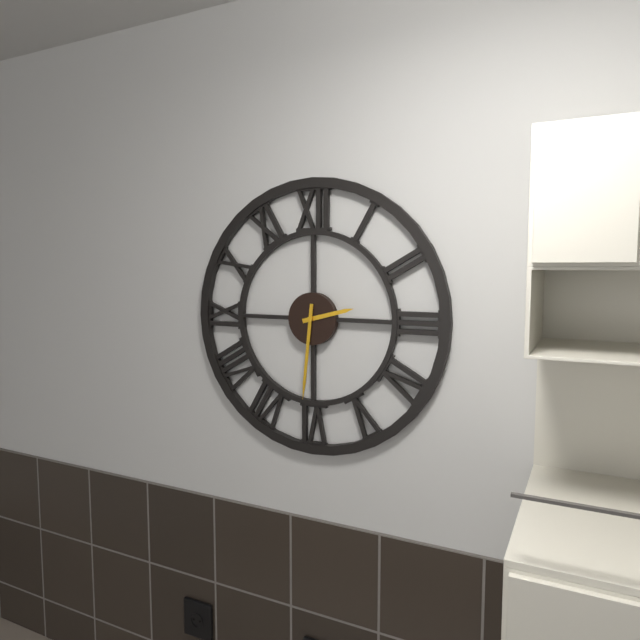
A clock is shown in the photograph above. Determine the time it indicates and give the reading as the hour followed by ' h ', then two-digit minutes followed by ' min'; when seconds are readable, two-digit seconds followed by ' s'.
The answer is 2 h 31 min
